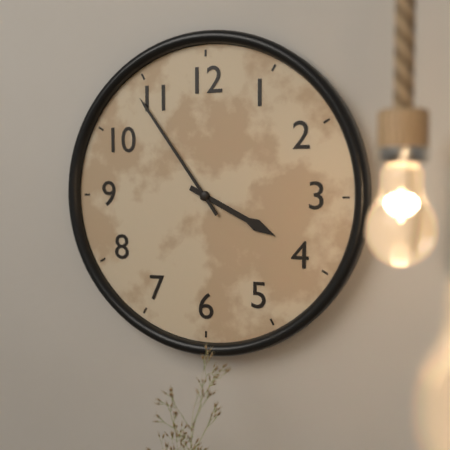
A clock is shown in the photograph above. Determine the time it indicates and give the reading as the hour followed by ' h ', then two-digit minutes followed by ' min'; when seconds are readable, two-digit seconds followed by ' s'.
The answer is 3 h 54 min
